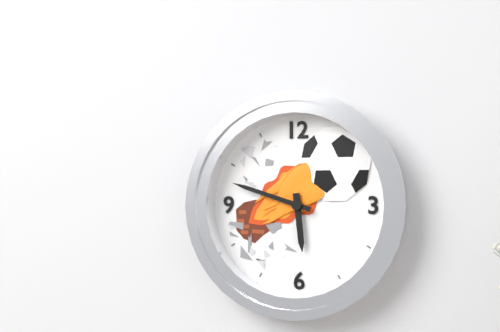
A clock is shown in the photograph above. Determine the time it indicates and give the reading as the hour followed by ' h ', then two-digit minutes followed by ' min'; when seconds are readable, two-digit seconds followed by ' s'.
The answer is 5 h 48 min
